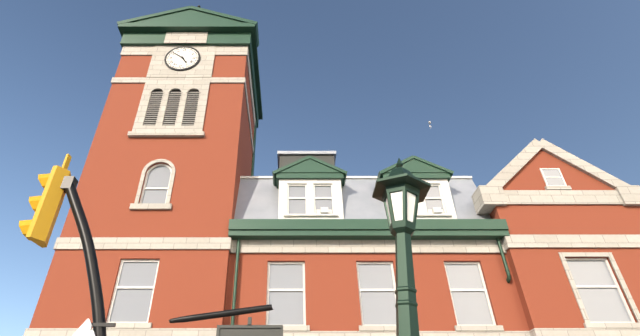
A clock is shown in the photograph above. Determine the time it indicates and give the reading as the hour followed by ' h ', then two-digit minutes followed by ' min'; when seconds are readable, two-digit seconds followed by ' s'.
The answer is 4 h 51 min
